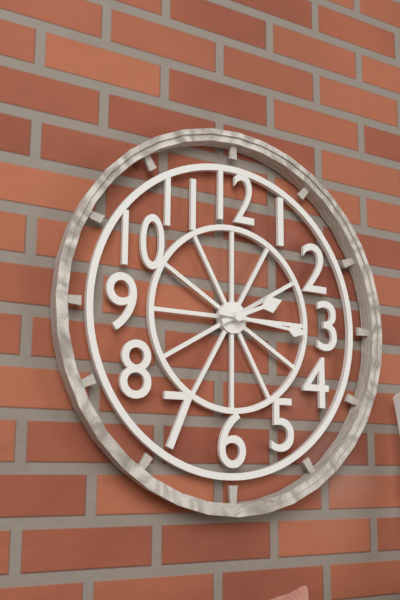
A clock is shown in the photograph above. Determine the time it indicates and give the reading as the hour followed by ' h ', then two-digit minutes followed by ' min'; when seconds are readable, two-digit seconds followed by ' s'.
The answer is 2 h 16 min
